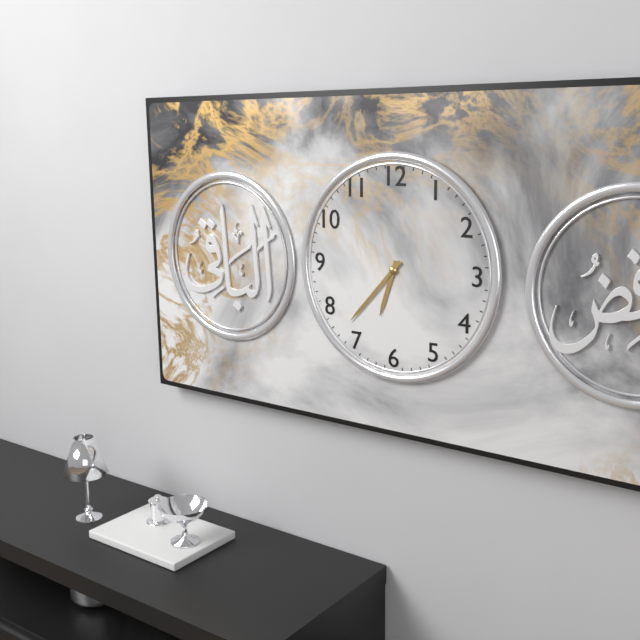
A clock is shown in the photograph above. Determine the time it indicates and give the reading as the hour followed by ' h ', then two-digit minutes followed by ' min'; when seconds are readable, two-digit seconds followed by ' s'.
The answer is 6 h 37 min
